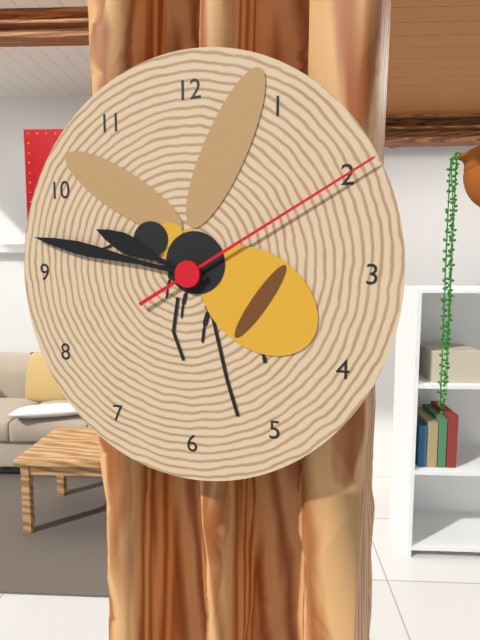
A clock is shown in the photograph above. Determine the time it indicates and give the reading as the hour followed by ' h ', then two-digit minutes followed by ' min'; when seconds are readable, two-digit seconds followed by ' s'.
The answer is 9 h 47 min 10 s
